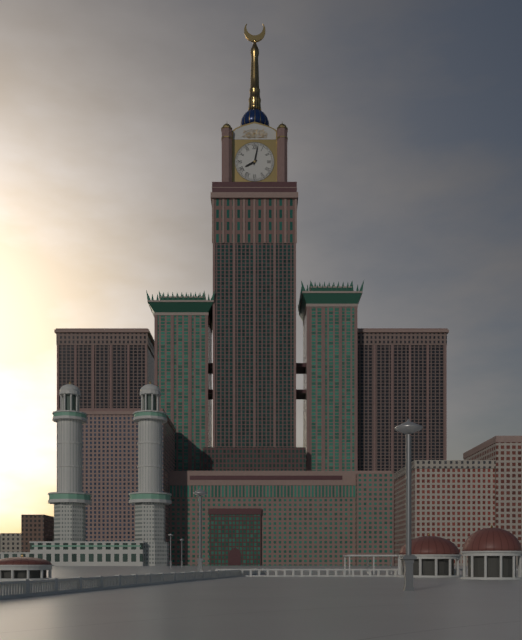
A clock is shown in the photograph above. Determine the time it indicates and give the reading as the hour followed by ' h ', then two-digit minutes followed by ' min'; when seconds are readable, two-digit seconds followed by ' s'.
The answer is 8 h 02 min
